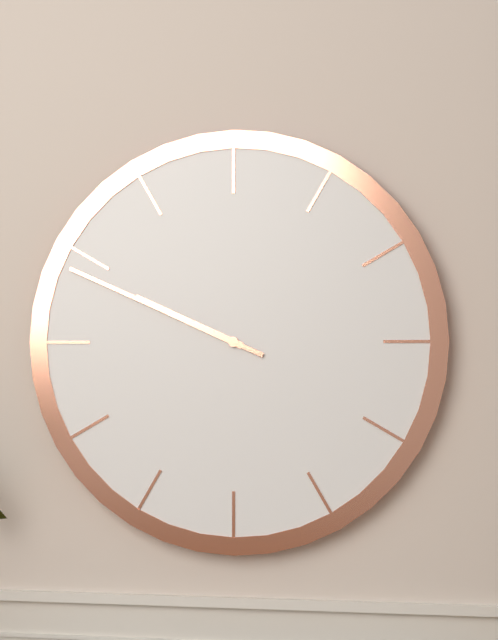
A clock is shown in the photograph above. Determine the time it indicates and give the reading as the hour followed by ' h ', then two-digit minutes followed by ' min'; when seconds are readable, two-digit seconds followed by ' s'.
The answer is 9 h 49 min
